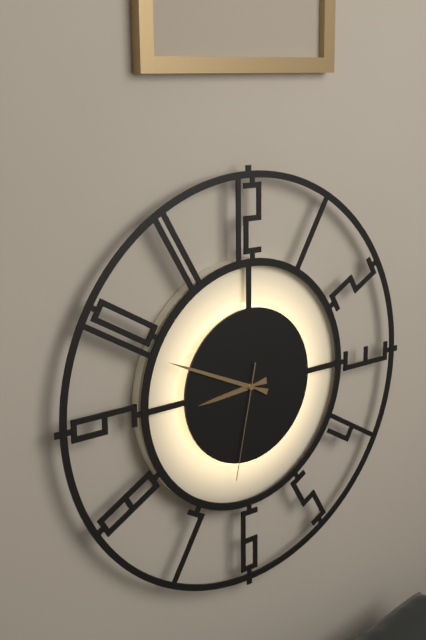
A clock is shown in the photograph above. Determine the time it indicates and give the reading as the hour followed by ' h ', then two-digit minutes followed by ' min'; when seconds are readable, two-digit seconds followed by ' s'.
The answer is 8 h 49 min 32 s
